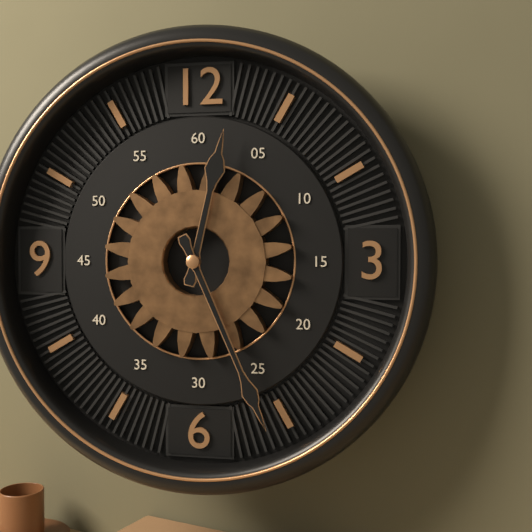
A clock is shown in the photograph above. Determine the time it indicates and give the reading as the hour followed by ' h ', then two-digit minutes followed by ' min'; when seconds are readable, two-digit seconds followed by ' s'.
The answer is 12 h 26 min
